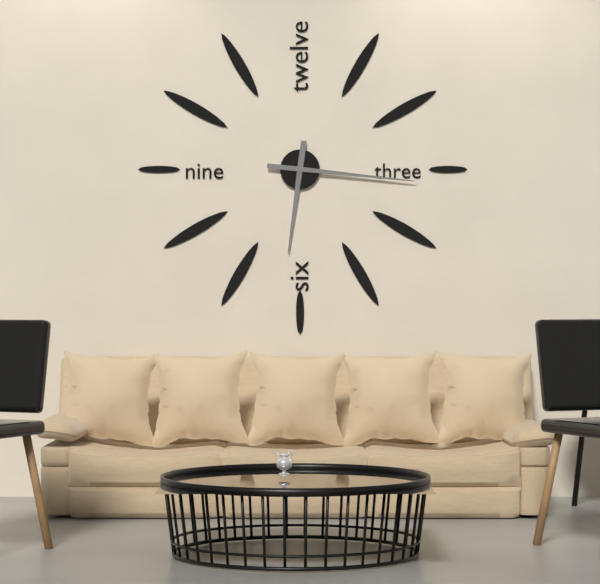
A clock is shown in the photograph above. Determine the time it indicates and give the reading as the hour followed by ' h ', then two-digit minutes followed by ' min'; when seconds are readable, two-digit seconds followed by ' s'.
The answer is 6 h 16 min
